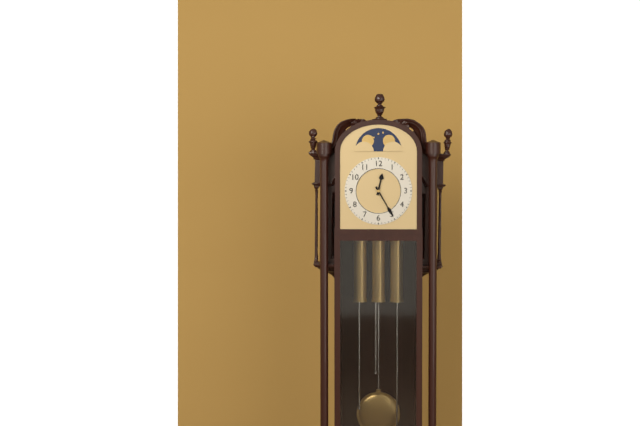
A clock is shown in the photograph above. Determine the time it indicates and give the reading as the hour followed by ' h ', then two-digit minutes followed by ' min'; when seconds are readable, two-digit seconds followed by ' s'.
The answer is 12 h 25 min
